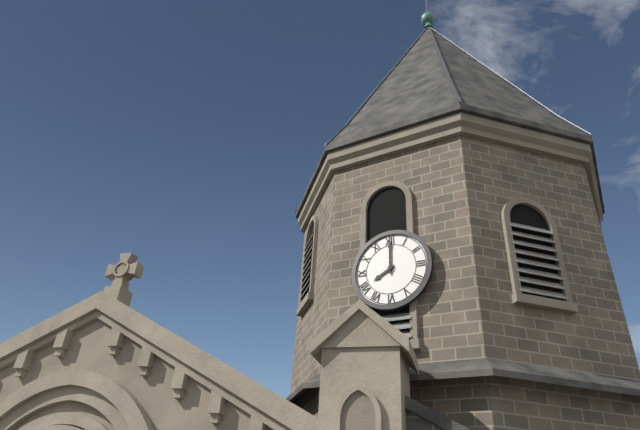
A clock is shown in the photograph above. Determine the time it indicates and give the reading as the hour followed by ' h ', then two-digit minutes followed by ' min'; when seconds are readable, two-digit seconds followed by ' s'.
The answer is 8 h 00 min
